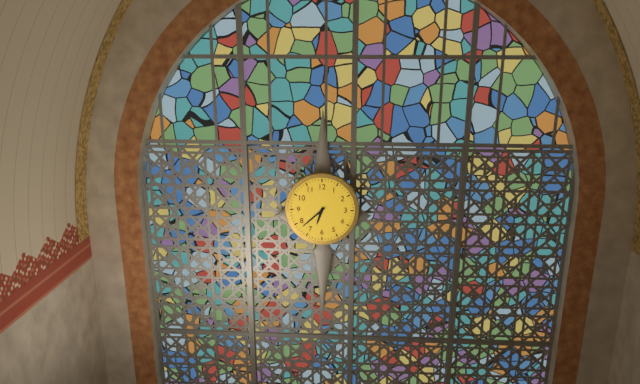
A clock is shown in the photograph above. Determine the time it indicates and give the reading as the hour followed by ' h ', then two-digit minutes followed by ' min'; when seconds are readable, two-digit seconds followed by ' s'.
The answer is 6 h 38 min
